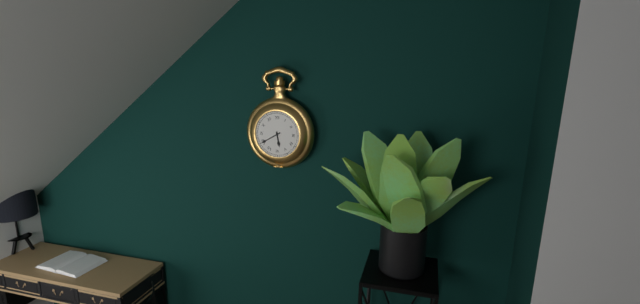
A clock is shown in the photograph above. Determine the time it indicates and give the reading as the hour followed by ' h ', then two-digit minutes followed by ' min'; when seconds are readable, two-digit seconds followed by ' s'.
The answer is 5 h 40 min
